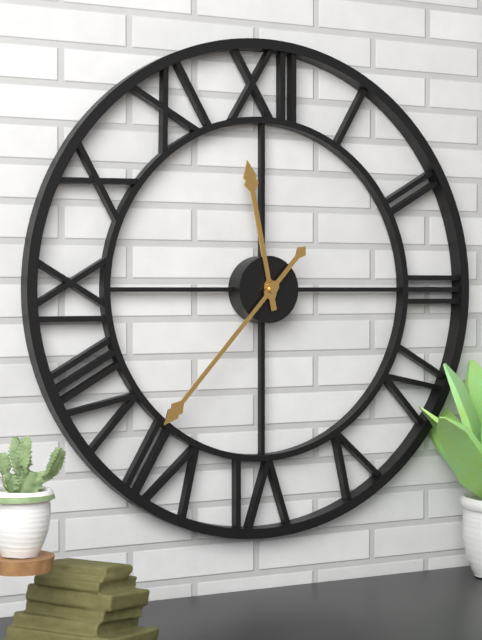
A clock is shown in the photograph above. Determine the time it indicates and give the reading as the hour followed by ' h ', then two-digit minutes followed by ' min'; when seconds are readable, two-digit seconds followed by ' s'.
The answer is 11 h 37 min
